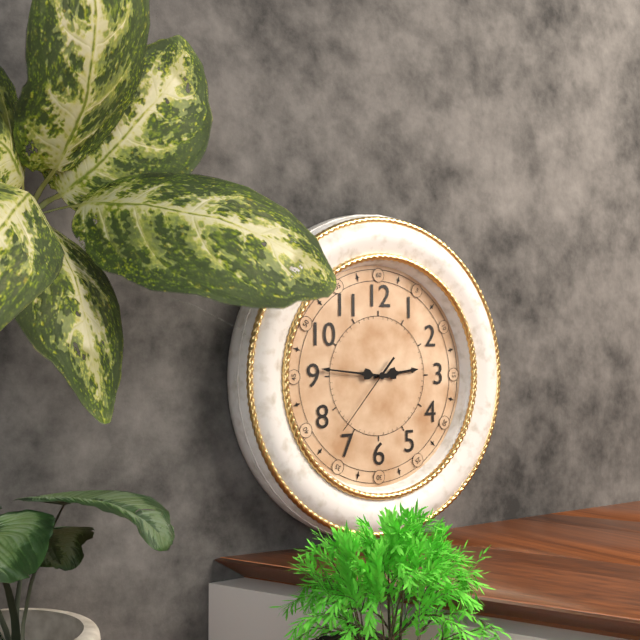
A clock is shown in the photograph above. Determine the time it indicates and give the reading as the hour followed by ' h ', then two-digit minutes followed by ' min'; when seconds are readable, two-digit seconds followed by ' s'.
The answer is 2 h 46 min 37 s
